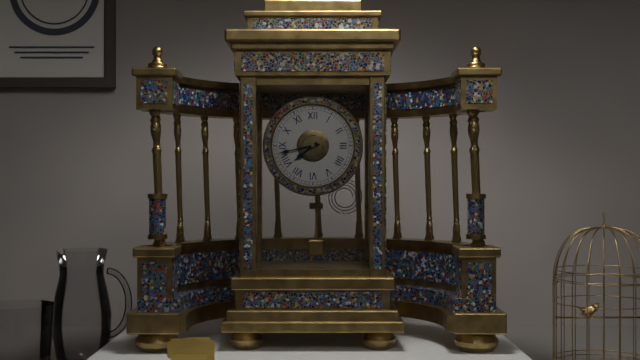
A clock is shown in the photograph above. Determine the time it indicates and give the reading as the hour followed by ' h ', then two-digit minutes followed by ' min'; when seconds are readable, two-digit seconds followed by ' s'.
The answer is 7 h 43 min
